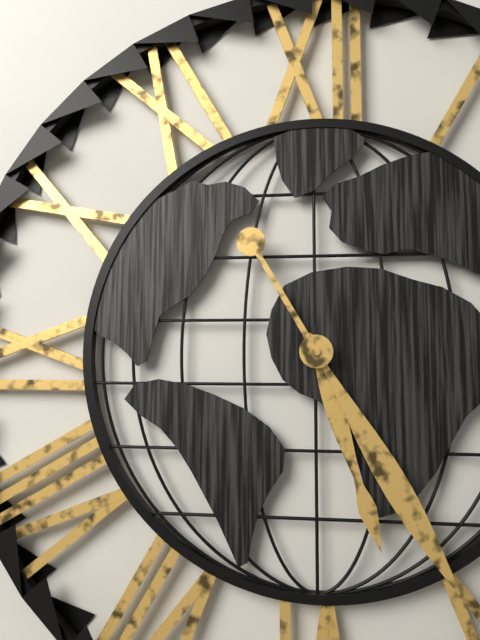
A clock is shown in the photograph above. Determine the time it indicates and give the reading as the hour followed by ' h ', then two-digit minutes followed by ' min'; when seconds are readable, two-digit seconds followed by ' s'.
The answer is 5 h 25 min
